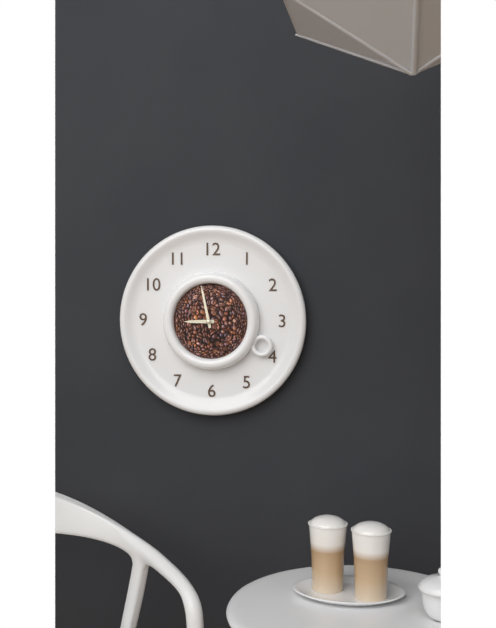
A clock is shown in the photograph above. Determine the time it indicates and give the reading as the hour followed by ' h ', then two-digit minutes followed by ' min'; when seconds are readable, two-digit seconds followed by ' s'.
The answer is 8 h 58 min
